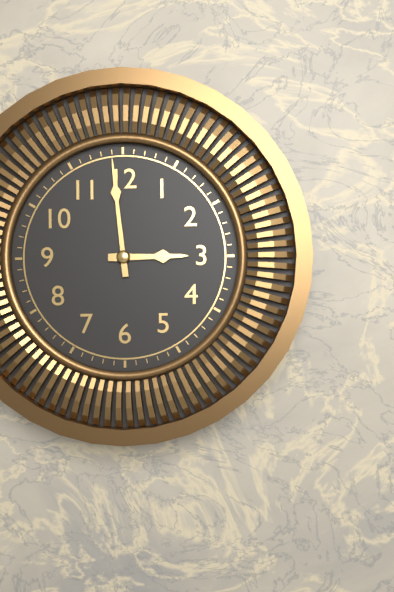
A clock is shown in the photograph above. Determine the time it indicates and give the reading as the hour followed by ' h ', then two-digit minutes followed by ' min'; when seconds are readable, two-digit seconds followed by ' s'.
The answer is 2 h 59 min
